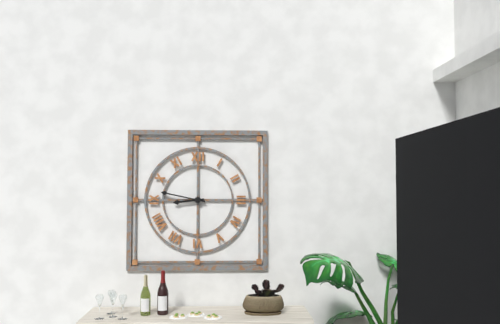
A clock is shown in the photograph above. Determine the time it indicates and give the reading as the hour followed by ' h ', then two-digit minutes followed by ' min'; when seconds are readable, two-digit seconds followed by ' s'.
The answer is 8 h 47 min
